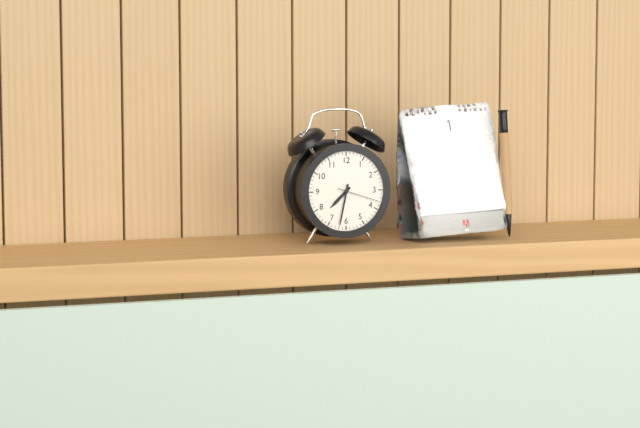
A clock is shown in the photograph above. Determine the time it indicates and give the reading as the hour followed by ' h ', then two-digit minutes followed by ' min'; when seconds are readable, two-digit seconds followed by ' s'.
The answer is 7 h 32 min
